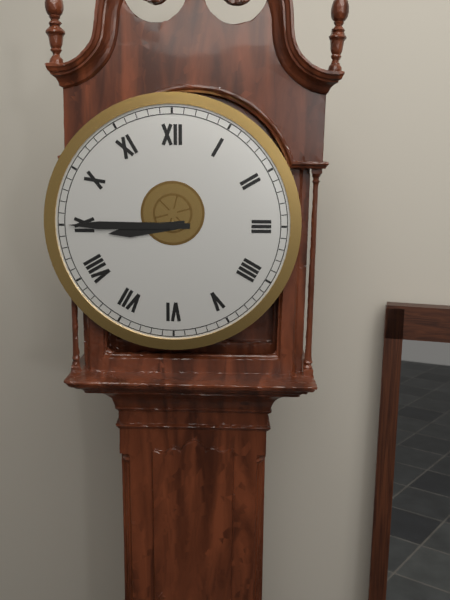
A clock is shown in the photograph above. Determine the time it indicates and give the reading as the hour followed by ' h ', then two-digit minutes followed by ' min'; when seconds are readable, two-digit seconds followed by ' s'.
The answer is 8 h 45 min
